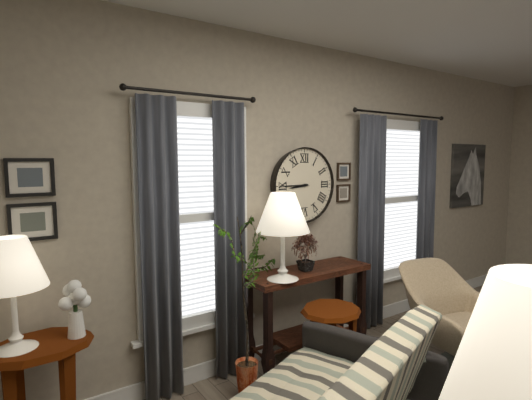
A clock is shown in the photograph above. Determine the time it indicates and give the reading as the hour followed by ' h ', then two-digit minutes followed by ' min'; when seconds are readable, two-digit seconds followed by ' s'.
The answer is 8 h 45 min
